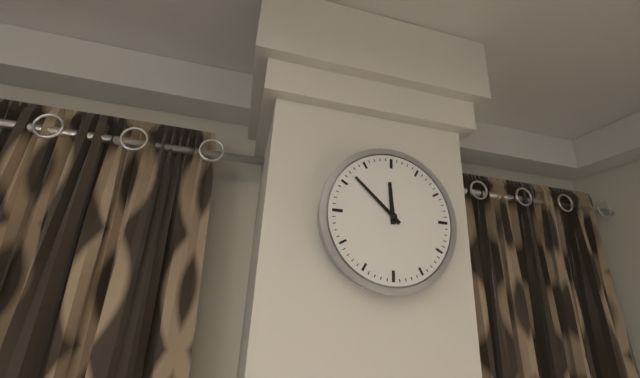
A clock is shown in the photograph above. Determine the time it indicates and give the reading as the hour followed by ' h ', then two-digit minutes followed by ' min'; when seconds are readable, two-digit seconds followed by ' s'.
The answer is 11 h 52 min
